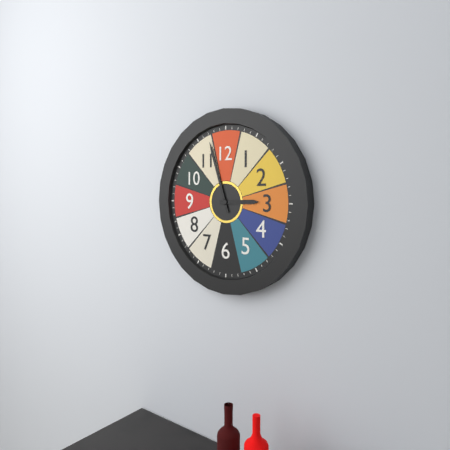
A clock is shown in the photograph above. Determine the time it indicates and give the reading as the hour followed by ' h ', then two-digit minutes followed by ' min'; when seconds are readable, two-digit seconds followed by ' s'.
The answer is 2 h 57 min
